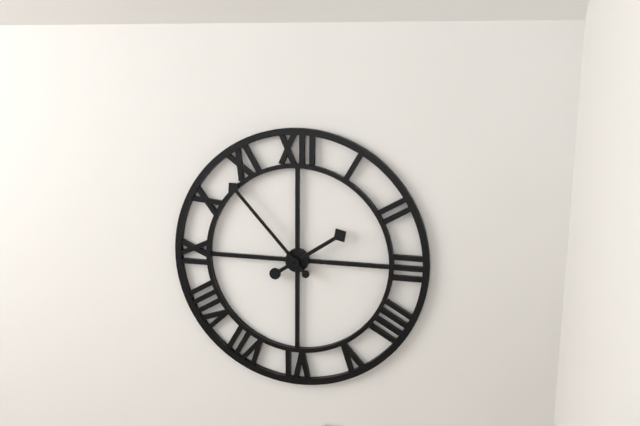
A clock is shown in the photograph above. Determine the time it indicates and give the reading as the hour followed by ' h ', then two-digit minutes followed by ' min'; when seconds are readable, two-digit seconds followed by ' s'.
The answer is 1 h 53 min
